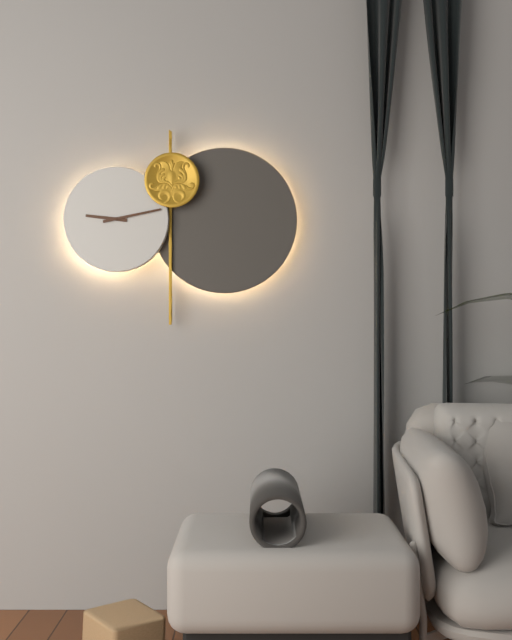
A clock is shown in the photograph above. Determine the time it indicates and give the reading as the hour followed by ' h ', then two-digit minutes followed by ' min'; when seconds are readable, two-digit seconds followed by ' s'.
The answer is 9 h 13 min
